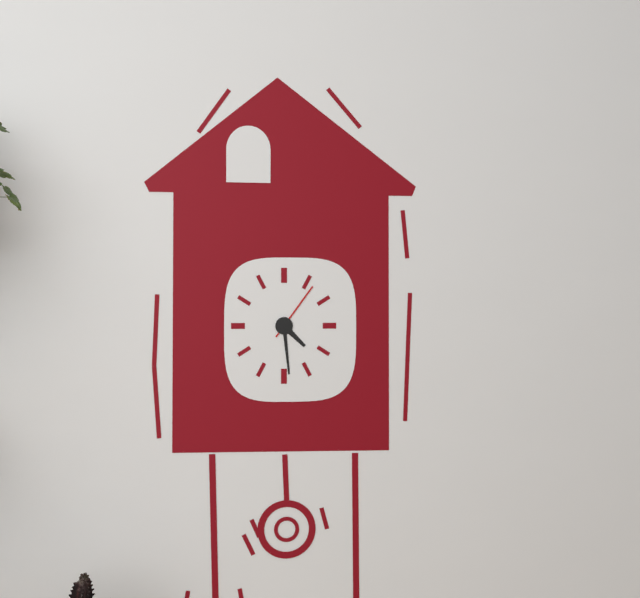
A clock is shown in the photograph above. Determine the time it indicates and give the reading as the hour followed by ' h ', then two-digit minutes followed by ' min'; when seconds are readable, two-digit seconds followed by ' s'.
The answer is 4 h 29 min 06 s
